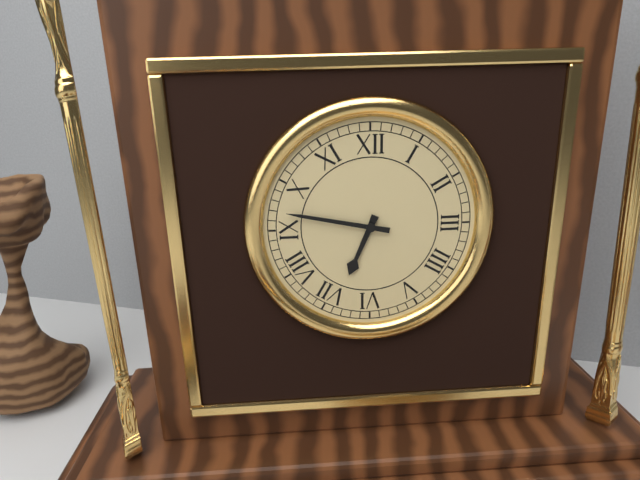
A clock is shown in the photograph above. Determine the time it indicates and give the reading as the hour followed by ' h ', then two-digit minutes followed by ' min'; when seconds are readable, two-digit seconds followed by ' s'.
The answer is 6 h 47 min
